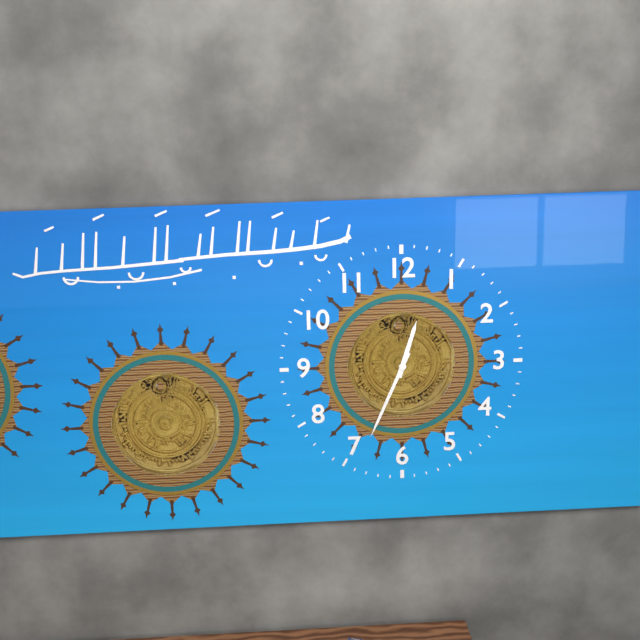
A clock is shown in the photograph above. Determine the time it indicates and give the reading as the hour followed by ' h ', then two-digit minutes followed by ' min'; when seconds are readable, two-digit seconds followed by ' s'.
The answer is 12 h 34 min
